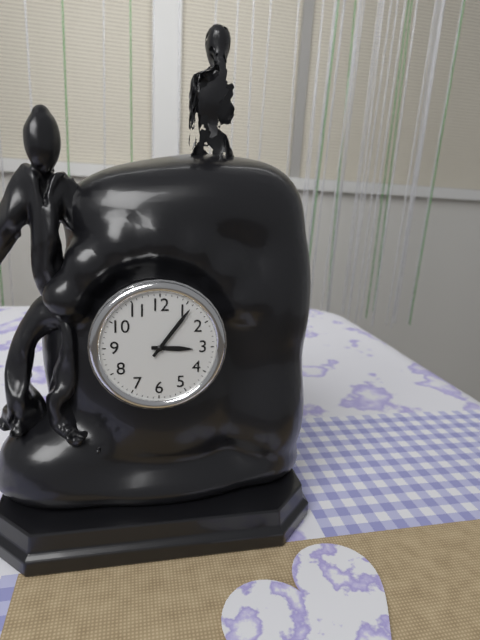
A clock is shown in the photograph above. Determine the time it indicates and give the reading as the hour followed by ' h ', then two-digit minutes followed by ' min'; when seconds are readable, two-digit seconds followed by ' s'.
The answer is 3 h 06 min
